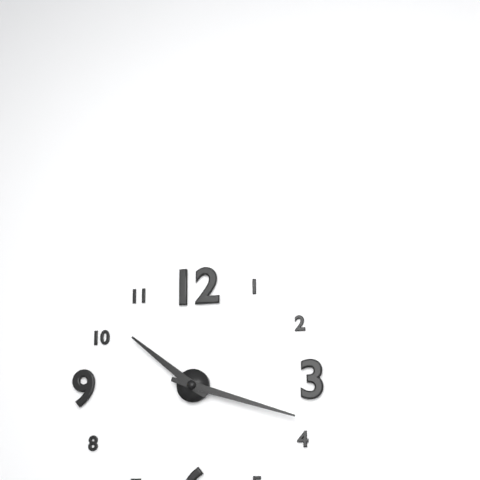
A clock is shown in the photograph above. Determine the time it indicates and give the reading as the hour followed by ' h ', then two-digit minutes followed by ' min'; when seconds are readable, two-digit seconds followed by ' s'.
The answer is 10 h 18 min
